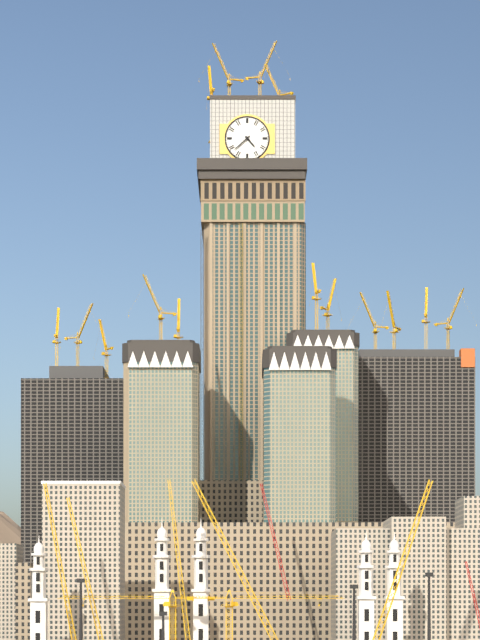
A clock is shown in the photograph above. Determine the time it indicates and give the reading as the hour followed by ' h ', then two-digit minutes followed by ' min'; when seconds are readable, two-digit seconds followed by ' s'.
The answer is 4 h 38 min
